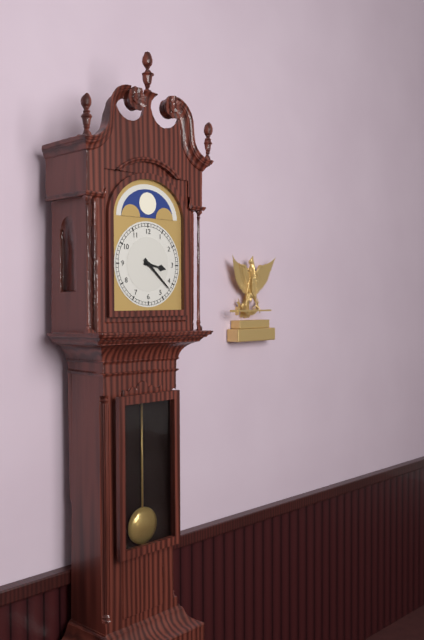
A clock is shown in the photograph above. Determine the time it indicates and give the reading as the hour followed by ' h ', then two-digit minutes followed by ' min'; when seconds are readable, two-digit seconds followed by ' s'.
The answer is 3 h 22 min
